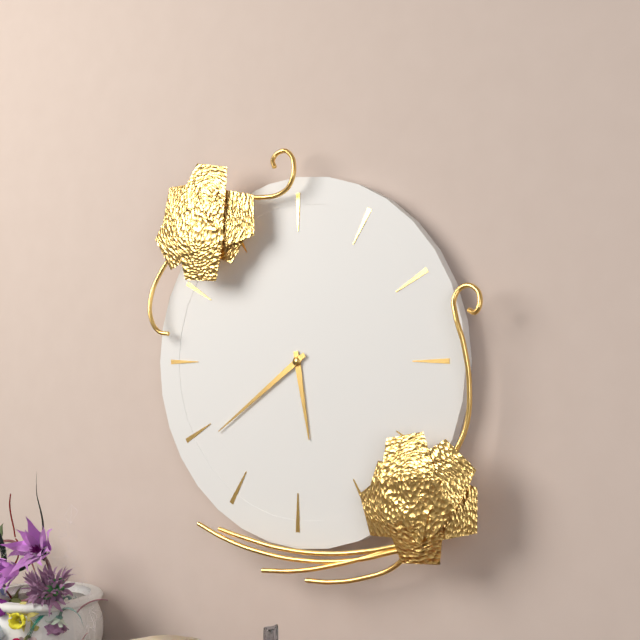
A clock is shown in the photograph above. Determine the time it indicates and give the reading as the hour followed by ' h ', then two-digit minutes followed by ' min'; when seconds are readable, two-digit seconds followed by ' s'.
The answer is 5 h 39 min
